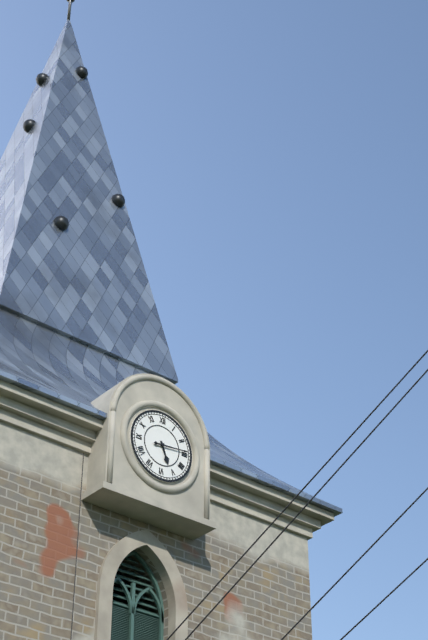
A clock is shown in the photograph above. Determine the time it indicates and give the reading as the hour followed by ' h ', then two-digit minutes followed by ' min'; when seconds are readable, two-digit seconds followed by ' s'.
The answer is 5 h 14 min
